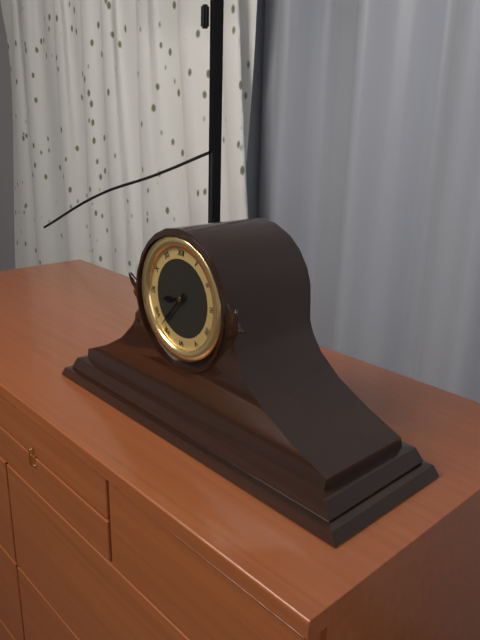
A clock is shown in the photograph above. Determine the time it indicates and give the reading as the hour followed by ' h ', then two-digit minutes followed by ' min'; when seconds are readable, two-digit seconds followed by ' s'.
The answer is 8 h 37 min
